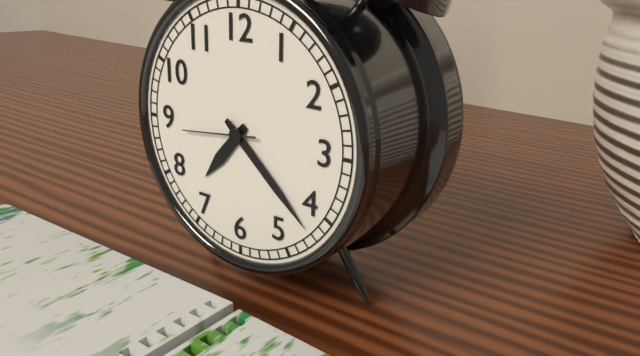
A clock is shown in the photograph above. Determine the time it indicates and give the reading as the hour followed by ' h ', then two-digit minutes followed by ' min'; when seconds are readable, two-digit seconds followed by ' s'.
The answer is 7 h 22 min 44 s
